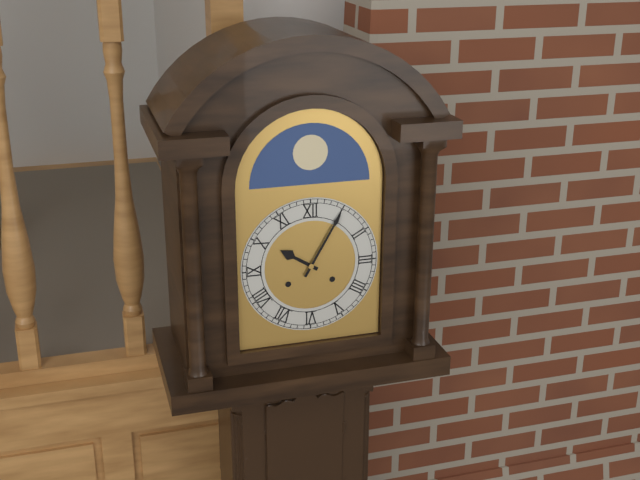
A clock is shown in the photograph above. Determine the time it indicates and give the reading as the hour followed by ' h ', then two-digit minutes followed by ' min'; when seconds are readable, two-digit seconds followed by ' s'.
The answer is 10 h 05 min
